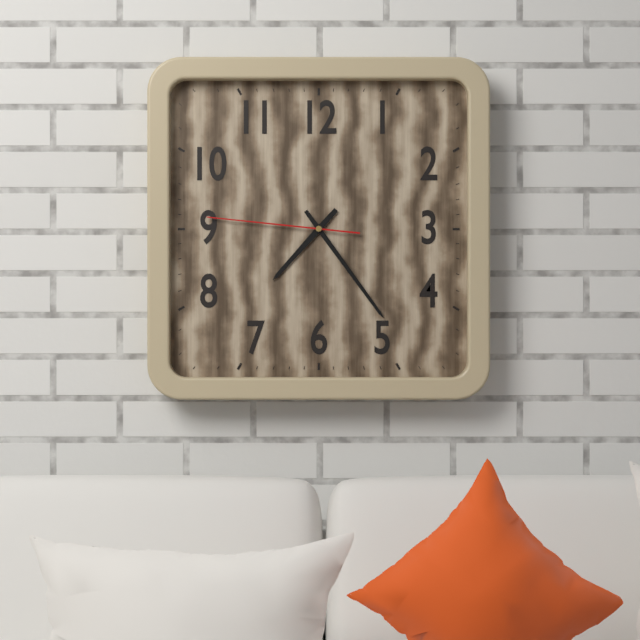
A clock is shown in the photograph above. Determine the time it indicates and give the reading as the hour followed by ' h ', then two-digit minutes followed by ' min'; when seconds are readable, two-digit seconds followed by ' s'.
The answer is 7 h 24 min 46 s
